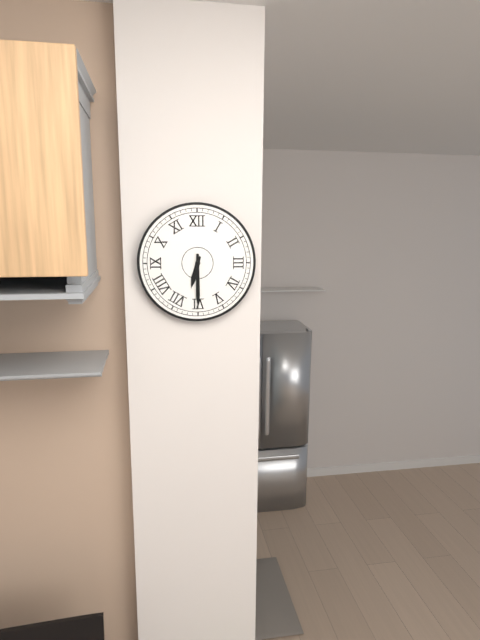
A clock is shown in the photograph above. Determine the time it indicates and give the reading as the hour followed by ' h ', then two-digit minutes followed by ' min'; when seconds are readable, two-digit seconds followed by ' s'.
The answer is 6 h 30 min
